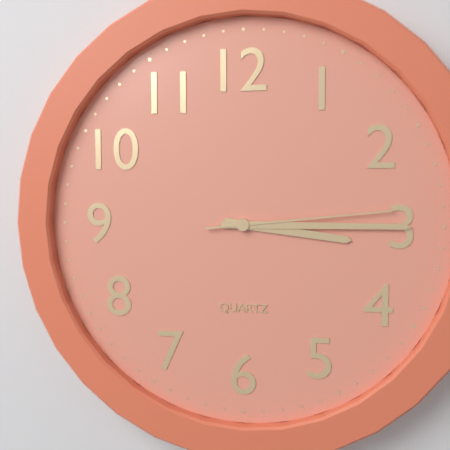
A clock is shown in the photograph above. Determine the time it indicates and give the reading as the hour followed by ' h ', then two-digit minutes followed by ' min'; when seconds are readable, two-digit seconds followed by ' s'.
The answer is 3 h 15 min 14 s
